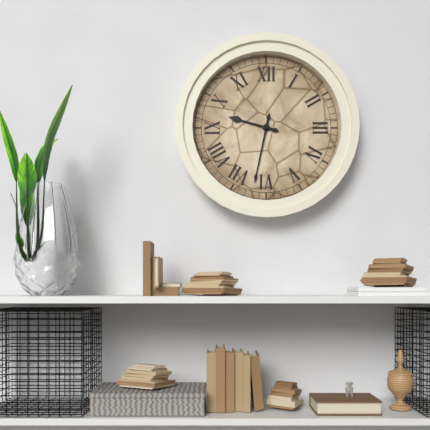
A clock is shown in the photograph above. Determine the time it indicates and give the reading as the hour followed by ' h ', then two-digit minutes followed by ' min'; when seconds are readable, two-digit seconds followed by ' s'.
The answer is 9 h 32 min
